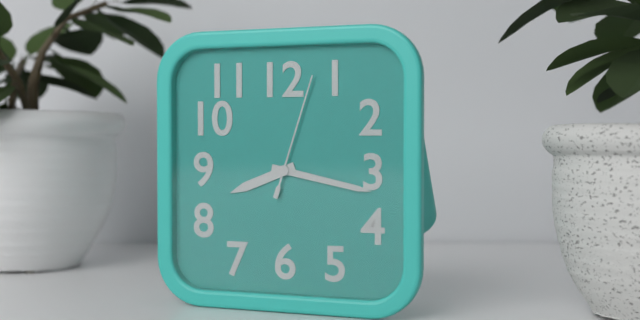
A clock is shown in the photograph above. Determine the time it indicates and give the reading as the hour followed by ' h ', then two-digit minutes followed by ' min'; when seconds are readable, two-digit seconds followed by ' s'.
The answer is 8 h 17 min 03 s
